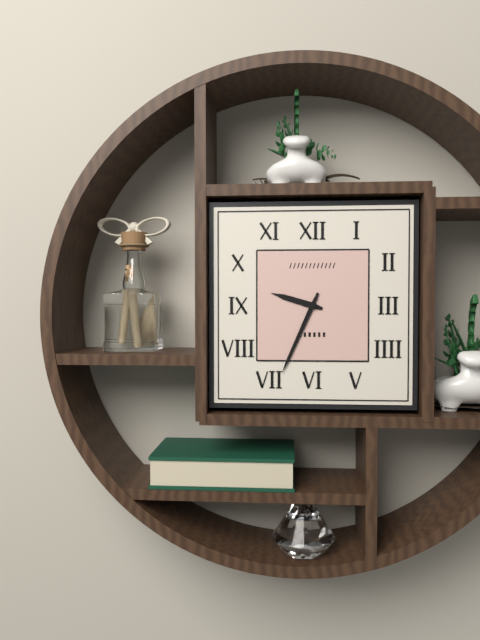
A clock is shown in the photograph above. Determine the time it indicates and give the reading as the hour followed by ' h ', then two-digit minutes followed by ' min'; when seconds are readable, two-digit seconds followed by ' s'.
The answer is 9 h 34 min
